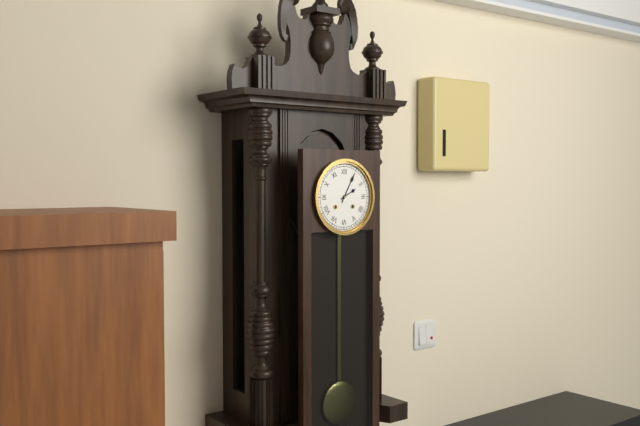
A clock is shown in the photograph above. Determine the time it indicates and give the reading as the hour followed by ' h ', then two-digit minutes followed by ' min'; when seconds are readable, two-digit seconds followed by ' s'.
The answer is 2 h 05 min
